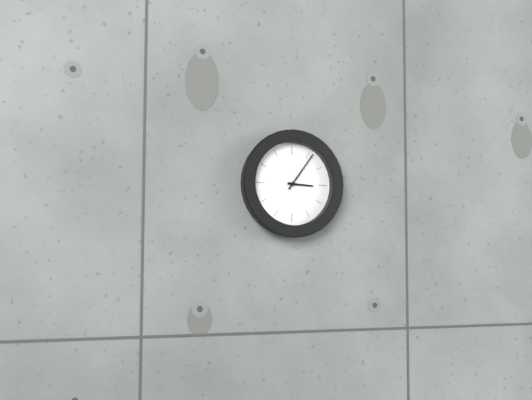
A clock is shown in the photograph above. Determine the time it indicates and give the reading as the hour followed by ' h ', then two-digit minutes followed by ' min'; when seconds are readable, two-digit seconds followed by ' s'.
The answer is 3 h 06 min
